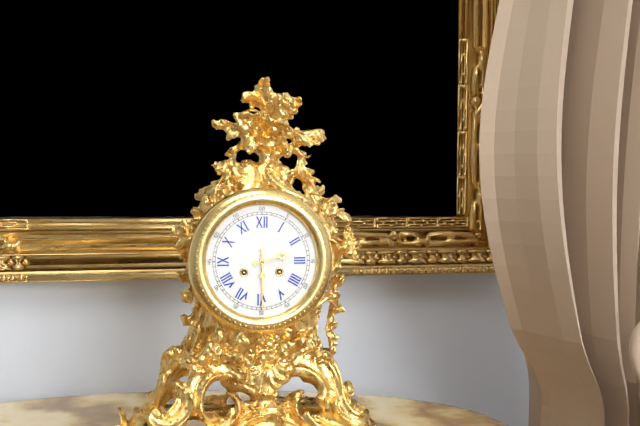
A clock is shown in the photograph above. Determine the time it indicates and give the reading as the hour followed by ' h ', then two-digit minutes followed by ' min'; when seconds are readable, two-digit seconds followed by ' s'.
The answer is 2 h 30 min
